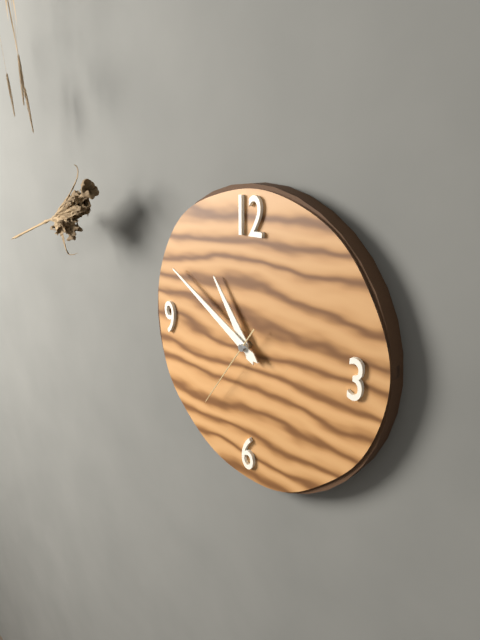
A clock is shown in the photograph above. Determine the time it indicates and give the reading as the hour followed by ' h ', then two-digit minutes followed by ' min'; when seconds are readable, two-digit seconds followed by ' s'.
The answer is 10 h 50 min 36 s
